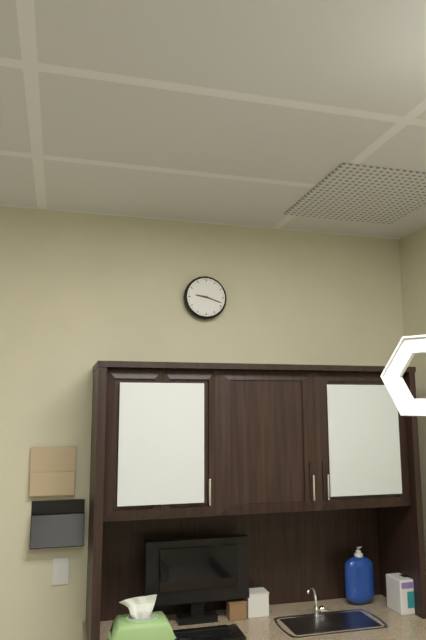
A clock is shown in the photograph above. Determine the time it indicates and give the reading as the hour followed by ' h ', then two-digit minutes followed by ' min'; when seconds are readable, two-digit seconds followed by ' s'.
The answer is 9 h 18 min
